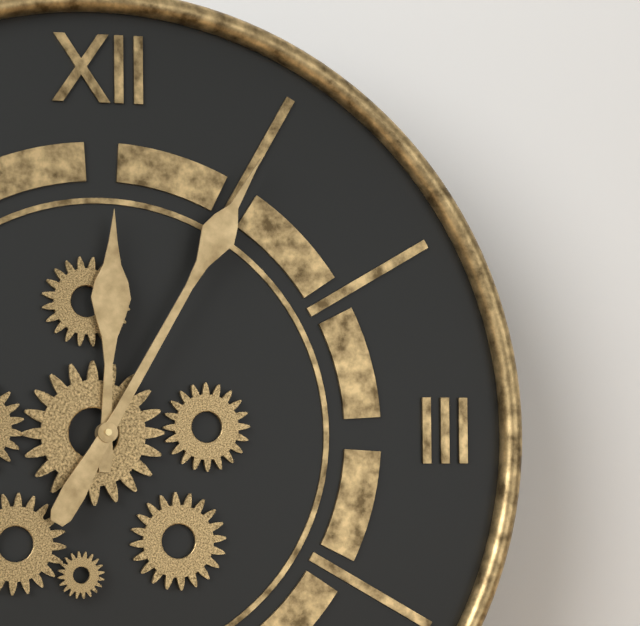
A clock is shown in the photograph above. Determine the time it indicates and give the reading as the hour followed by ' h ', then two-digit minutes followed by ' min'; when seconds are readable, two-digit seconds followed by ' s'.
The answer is 12 h 05 min
